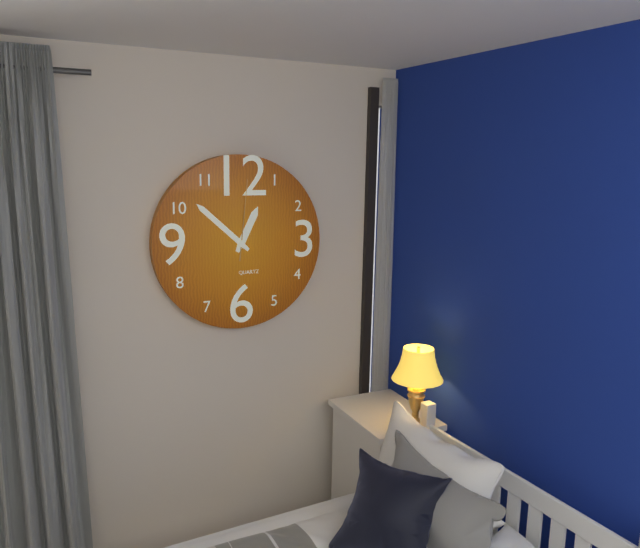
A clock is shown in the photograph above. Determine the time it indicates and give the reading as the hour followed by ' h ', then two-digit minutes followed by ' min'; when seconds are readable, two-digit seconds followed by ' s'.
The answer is 12 h 52 min 01 s
